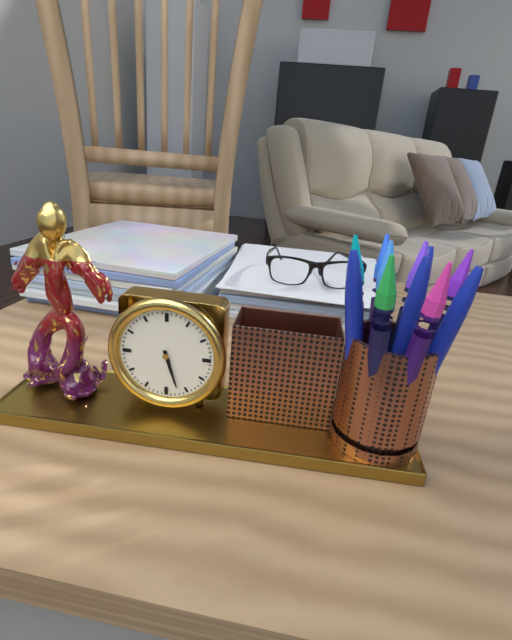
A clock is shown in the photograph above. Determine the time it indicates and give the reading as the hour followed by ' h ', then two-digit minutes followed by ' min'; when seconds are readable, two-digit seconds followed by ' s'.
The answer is 5 h 27 min
